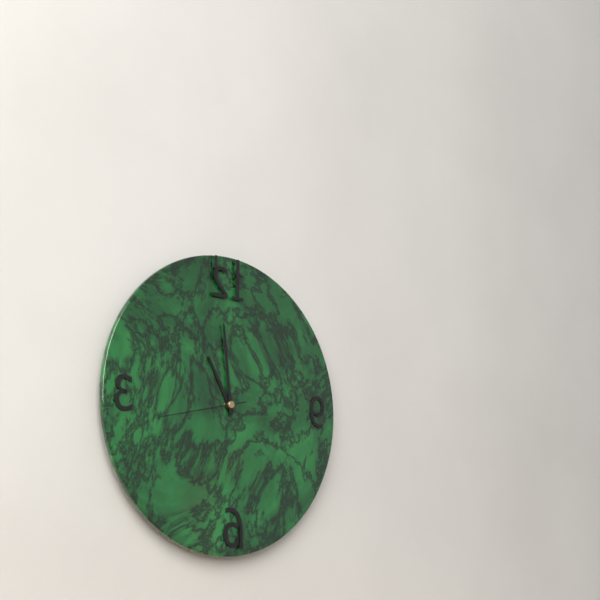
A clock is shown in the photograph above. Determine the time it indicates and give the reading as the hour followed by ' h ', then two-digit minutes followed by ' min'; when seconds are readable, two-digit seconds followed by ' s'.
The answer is 10 h 59 min 43 s
